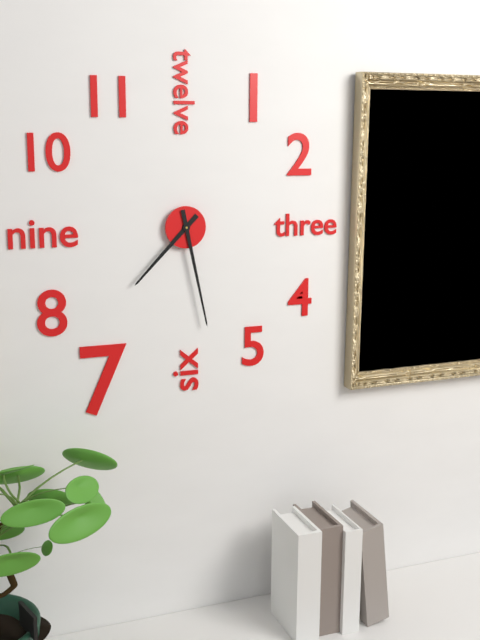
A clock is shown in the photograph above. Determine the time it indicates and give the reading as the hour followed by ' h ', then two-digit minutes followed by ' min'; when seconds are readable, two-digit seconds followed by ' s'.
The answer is 7 h 28 min
